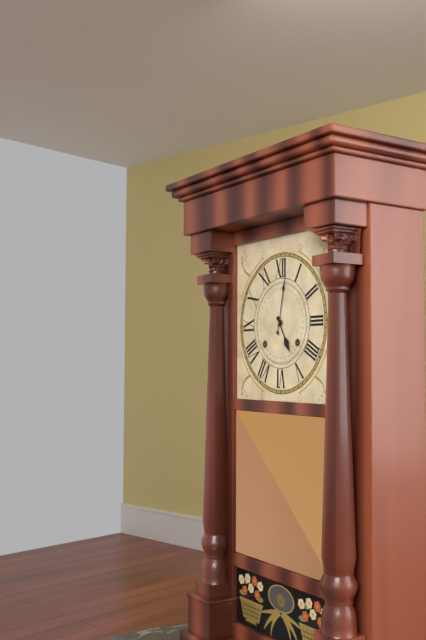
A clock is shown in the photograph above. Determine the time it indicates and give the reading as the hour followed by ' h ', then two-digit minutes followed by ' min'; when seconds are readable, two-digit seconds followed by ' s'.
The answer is 5 h 02 min
